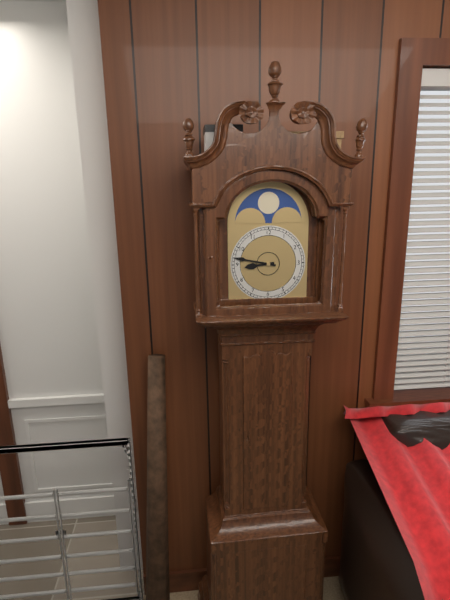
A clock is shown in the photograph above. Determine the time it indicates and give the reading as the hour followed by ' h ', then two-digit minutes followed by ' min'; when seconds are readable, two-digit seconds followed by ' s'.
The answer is 8 h 47 min
